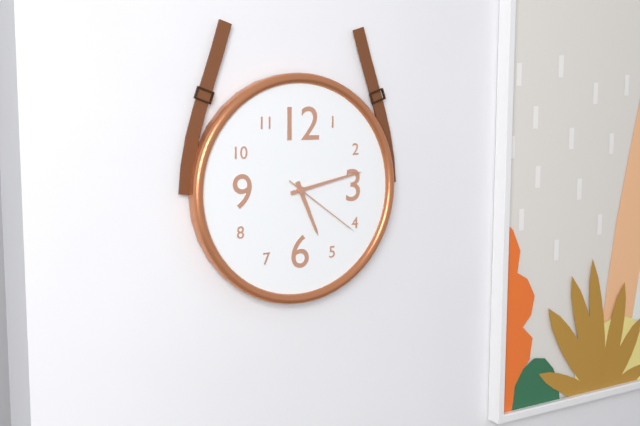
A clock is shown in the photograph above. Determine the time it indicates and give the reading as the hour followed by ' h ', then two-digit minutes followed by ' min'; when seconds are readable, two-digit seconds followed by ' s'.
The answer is 5 h 13 min 21 s
